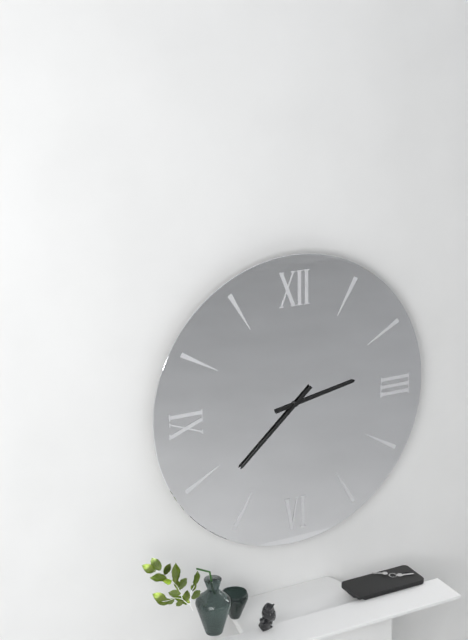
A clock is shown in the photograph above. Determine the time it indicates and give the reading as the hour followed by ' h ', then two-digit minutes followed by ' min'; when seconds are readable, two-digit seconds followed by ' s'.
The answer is 2 h 38 min
